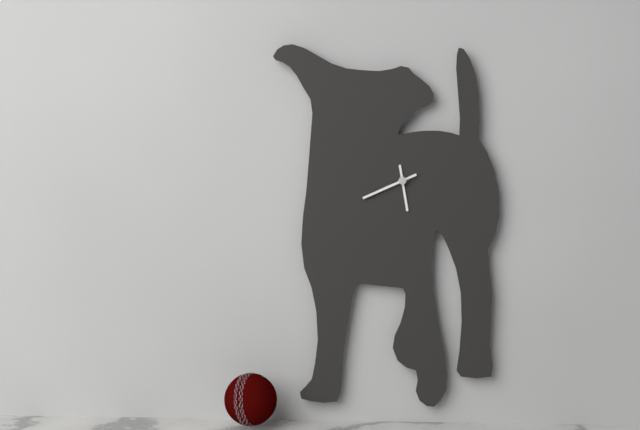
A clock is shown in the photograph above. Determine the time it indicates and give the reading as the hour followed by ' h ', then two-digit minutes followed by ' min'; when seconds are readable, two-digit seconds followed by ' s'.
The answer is 5 h 41 min
